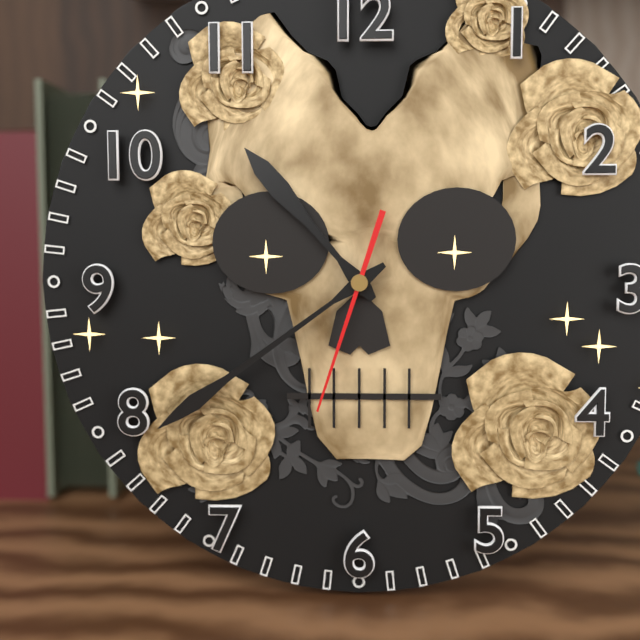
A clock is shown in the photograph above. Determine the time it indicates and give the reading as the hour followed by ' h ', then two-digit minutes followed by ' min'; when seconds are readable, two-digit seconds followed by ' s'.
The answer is 10 h 39 min 33 s
